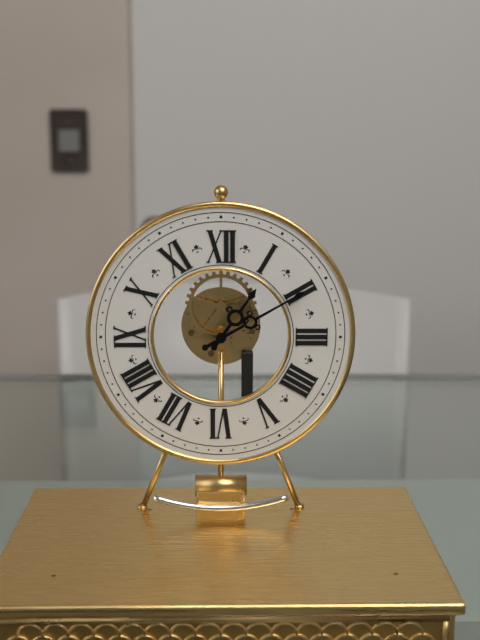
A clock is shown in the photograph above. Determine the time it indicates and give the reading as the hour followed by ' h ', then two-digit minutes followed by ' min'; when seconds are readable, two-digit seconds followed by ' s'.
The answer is 1 h 10 min
